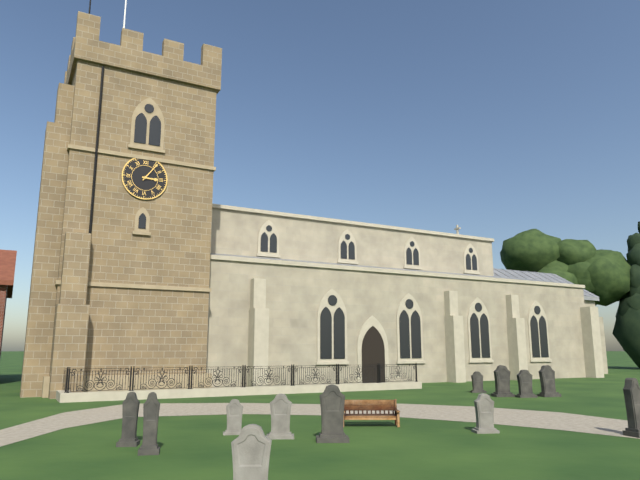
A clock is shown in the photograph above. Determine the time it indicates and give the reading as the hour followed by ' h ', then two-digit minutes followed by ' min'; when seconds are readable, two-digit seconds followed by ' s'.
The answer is 3 h 06 min
